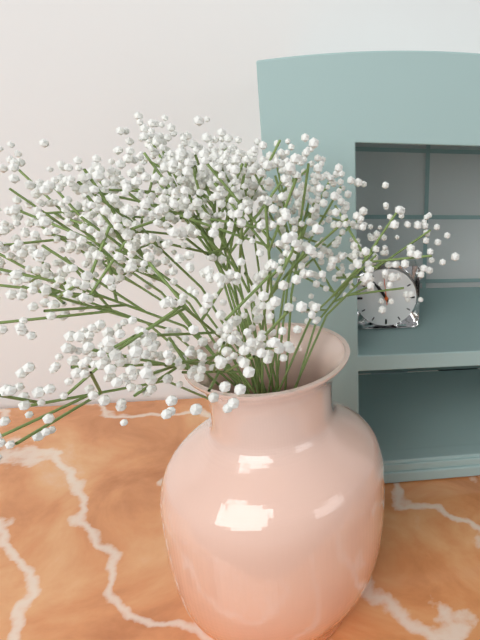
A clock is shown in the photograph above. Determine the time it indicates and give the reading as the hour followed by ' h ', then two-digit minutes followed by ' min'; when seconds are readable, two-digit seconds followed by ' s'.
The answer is 10 h 54 min
